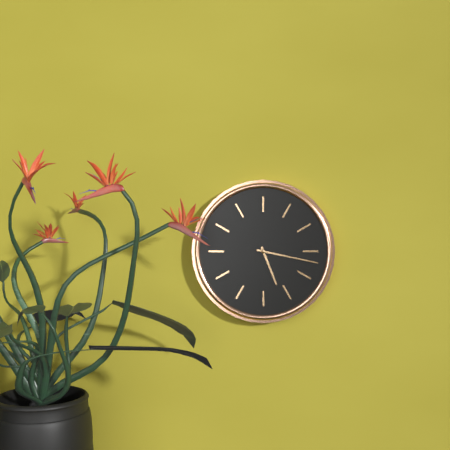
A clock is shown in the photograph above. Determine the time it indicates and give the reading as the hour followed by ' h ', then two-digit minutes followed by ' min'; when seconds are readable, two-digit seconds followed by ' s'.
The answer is 5 h 17 min
